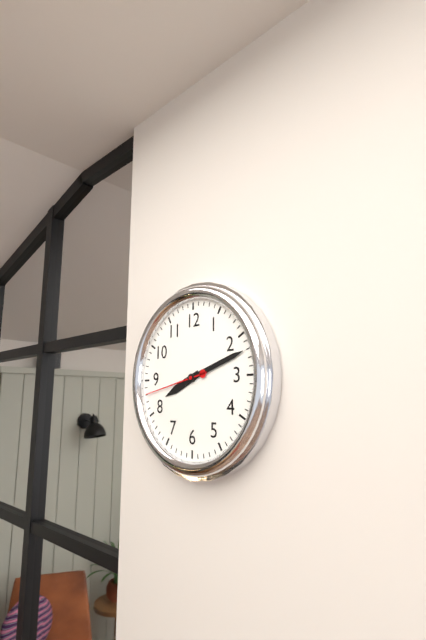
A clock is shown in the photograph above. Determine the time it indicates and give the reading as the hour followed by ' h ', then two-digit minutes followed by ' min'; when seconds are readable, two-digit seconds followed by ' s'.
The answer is 8 h 12 min 43 s
